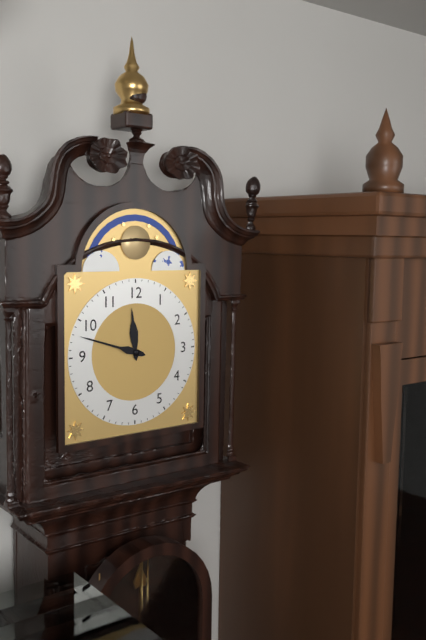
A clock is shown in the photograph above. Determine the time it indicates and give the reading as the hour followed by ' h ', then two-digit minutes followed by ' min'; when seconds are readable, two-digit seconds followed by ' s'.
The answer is 11 h 48 min
